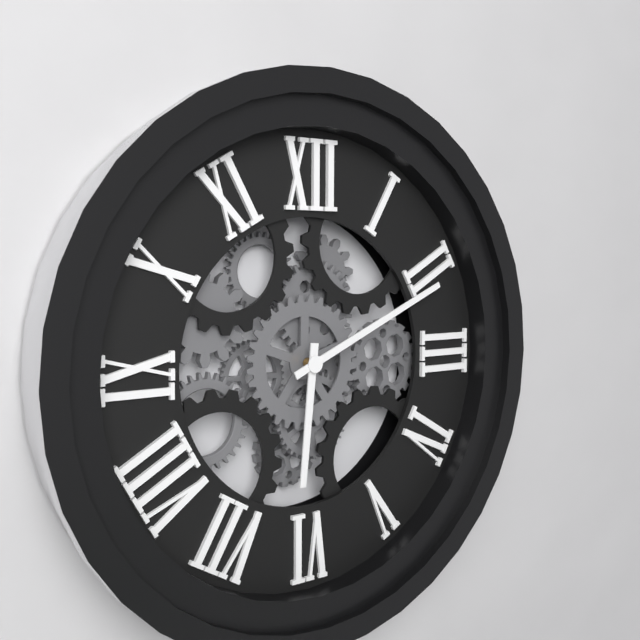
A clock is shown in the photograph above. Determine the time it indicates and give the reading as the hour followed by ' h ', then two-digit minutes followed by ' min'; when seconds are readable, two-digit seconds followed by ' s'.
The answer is 6 h 11 min
